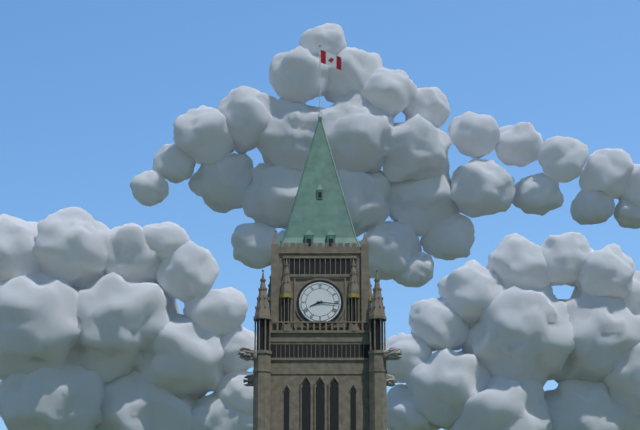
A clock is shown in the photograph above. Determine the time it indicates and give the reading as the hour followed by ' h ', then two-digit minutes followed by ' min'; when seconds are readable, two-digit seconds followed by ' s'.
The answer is 8 h 16 min
